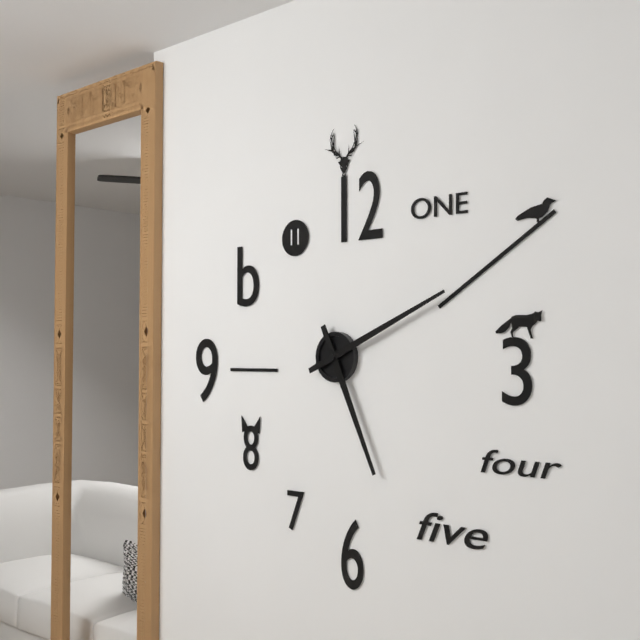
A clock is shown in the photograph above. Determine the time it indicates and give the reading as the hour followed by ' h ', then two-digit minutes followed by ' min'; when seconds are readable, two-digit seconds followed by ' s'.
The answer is 5 h 11 min
